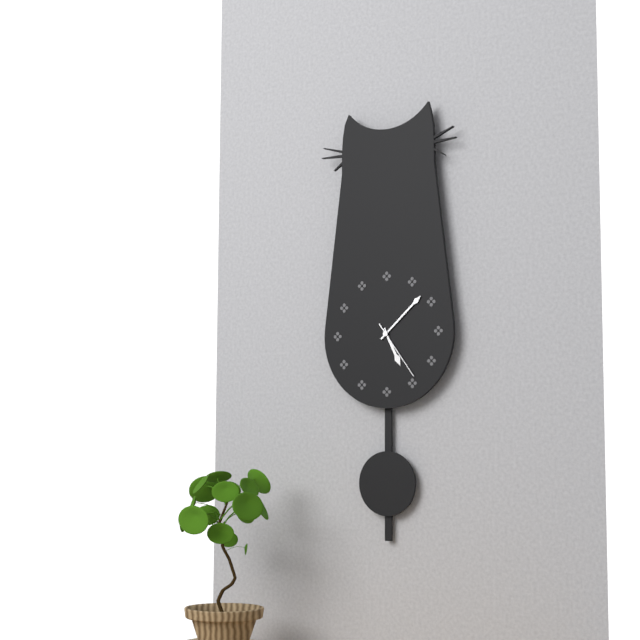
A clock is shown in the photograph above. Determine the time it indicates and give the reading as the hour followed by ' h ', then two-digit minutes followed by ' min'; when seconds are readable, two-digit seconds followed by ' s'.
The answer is 5 h 08 min 24 s
